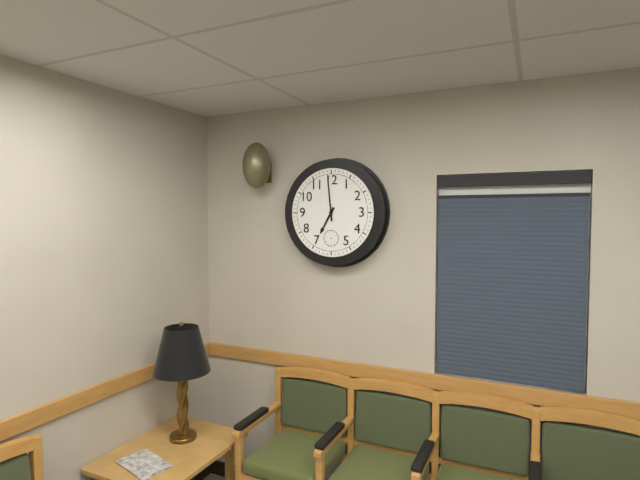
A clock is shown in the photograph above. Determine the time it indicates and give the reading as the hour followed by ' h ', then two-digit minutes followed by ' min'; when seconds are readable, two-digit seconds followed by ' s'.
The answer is 6 h 59 min
